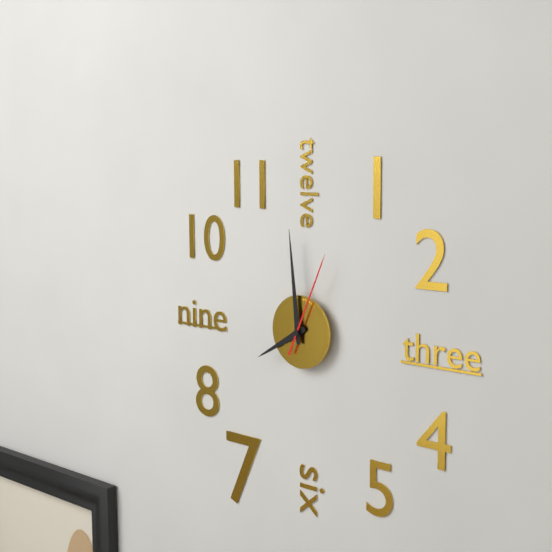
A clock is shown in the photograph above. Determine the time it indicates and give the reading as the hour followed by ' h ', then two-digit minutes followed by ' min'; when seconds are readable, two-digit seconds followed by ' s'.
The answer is 7 h 59 min 04 s
